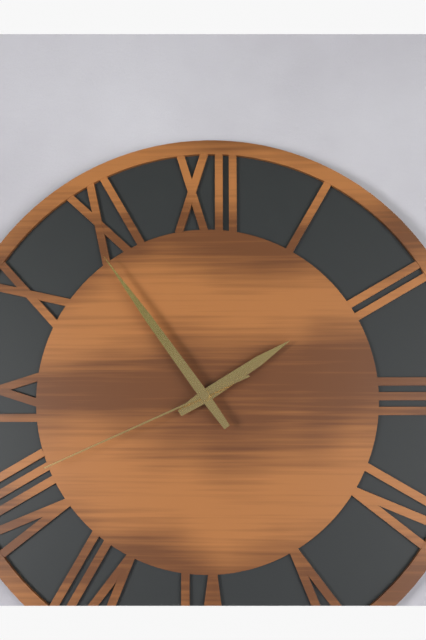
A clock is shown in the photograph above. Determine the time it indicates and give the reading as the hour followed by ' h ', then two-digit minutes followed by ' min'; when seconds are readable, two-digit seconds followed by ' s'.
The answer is 1 h 54 min 41 s
